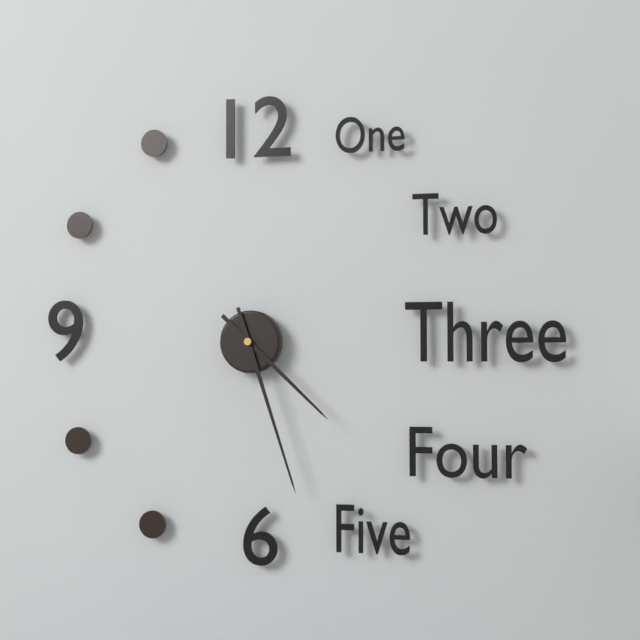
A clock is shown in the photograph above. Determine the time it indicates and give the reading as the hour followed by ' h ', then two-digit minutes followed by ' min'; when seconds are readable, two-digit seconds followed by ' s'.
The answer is 4 h 27 min
